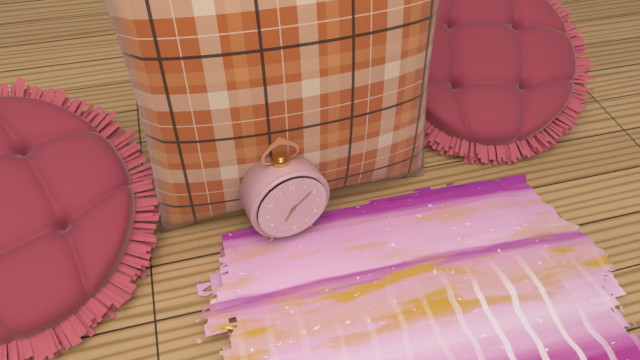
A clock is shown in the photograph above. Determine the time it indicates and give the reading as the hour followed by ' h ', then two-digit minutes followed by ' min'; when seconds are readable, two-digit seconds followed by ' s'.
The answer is 7 h 09 min
